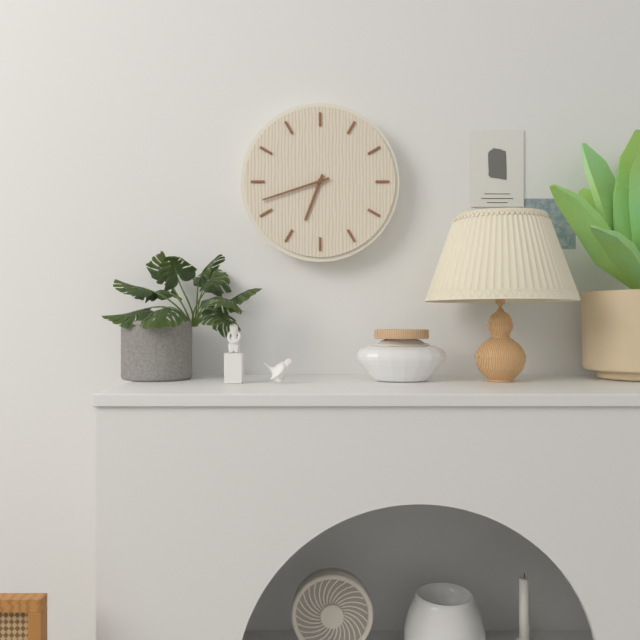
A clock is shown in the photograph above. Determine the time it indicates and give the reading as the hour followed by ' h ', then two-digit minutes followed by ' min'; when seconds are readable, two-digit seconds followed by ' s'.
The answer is 6 h 42 min
